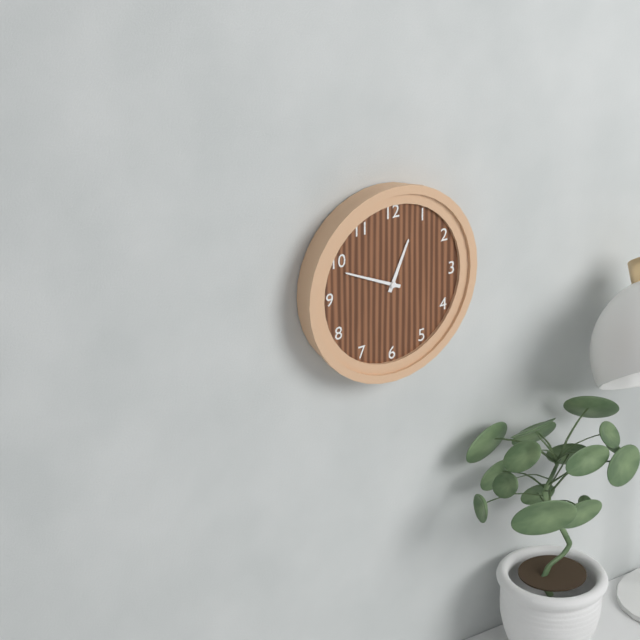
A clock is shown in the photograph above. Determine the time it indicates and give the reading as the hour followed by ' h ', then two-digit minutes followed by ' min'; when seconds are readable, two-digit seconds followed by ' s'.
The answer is 12 h 49 min
